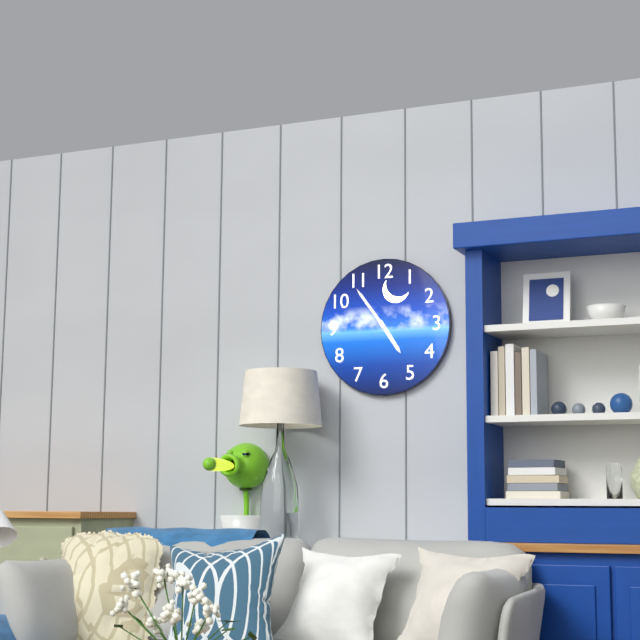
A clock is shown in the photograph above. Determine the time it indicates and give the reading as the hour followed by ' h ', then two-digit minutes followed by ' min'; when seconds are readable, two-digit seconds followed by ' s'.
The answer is 4 h 54 min
